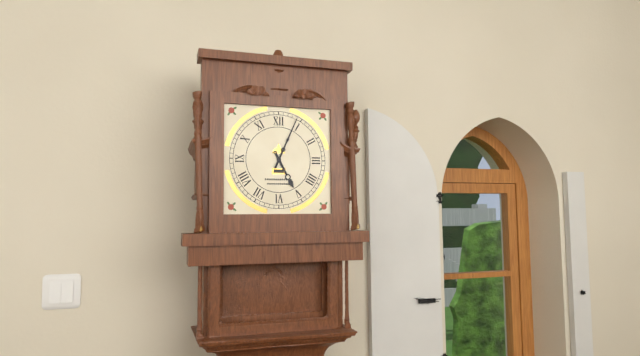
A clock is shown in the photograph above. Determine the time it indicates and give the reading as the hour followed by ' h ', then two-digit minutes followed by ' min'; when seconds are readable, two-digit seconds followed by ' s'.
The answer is 5 h 04 min
